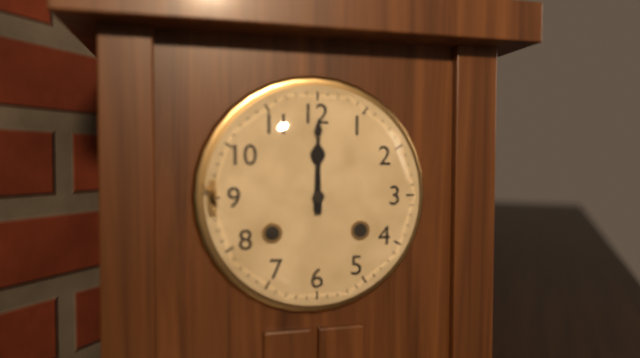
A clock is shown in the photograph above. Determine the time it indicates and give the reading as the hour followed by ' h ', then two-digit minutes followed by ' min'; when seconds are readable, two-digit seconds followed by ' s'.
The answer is 12 h 00 min
